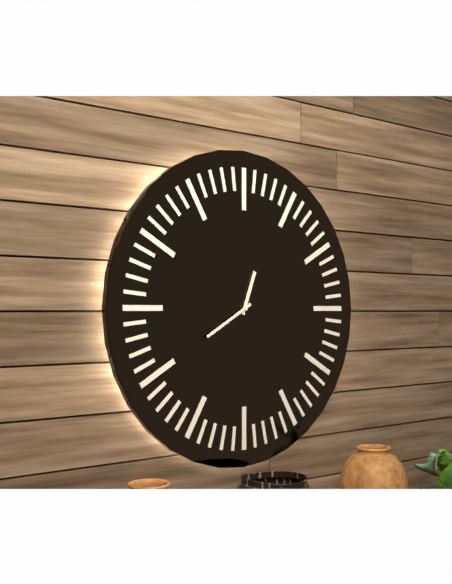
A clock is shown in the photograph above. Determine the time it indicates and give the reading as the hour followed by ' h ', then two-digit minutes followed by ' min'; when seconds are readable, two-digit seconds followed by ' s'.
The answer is 12 h 40 min
